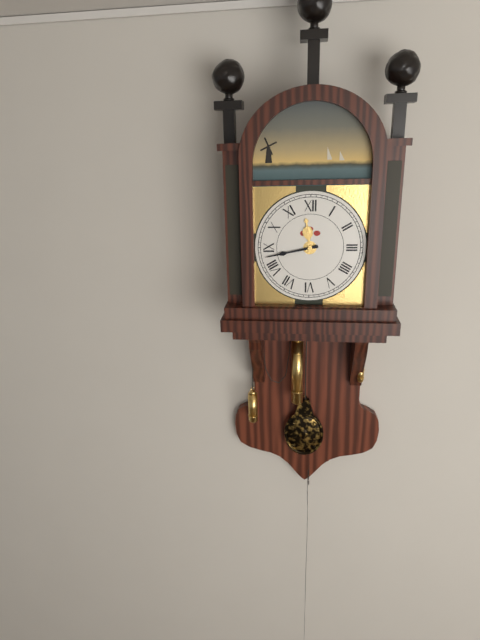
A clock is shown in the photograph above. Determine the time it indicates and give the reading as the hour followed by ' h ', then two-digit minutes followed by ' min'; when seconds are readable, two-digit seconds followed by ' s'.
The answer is 11 h 43 min
